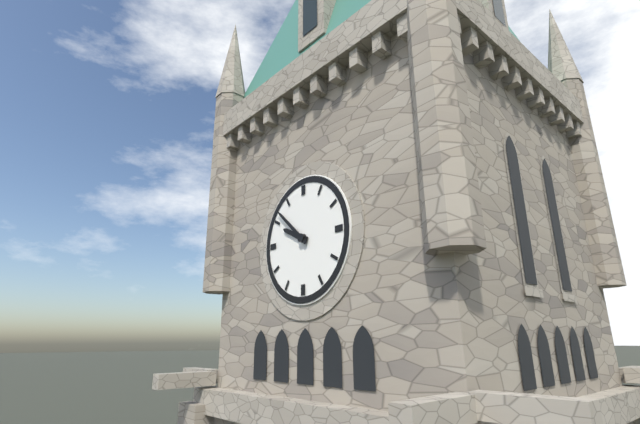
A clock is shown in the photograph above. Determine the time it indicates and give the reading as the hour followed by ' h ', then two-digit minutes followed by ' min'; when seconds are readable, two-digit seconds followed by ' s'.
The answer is 9 h 52 min
